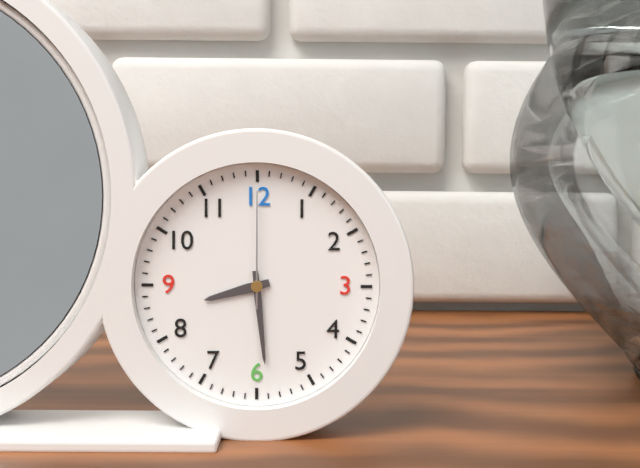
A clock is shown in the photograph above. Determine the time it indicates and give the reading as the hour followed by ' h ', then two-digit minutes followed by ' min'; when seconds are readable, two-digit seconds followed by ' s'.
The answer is 8 h 29 min 00 s
